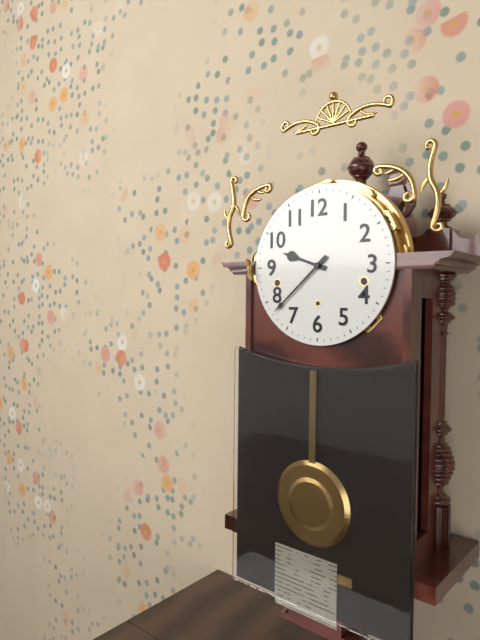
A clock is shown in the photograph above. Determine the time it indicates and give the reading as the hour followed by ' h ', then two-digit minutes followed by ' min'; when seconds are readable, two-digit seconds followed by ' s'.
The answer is 9 h 38 min
